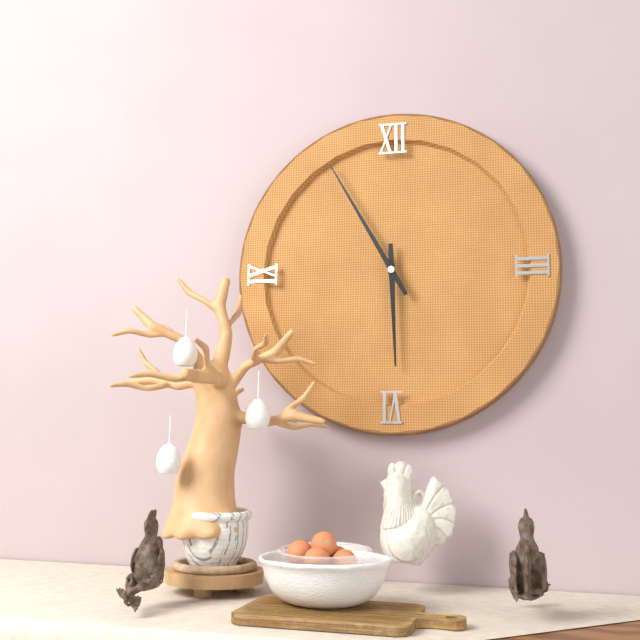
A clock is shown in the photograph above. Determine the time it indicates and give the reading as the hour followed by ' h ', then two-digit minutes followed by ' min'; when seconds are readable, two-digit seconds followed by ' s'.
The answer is 5 h 55 min
